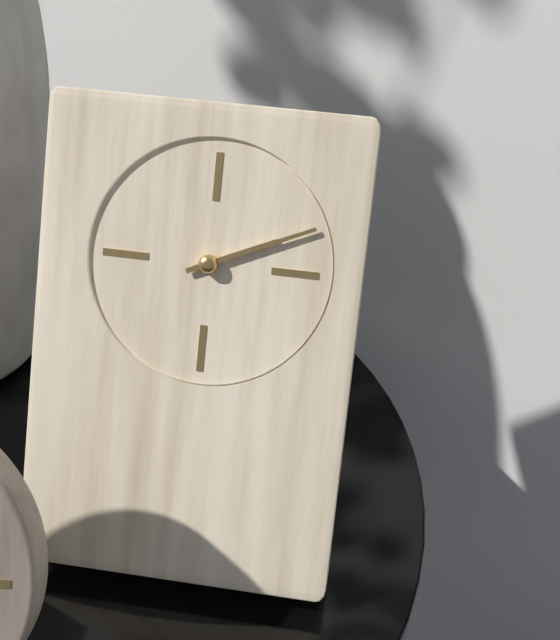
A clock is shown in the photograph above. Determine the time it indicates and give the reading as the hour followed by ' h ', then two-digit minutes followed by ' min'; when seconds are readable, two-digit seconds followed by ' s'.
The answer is 2 h 11 min
